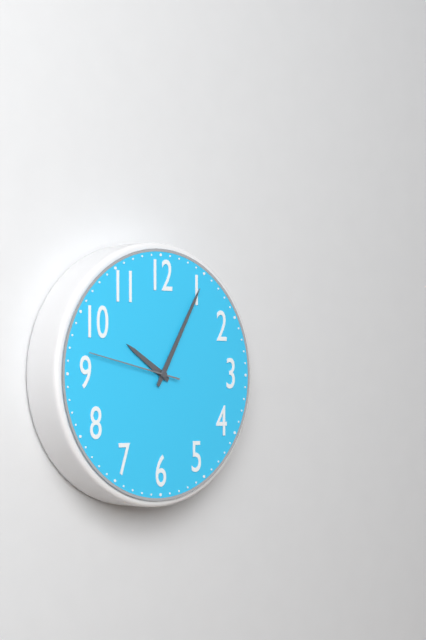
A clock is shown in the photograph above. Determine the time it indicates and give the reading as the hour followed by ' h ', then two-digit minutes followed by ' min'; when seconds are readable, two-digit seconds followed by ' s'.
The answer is 10 h 05 min 47 s
